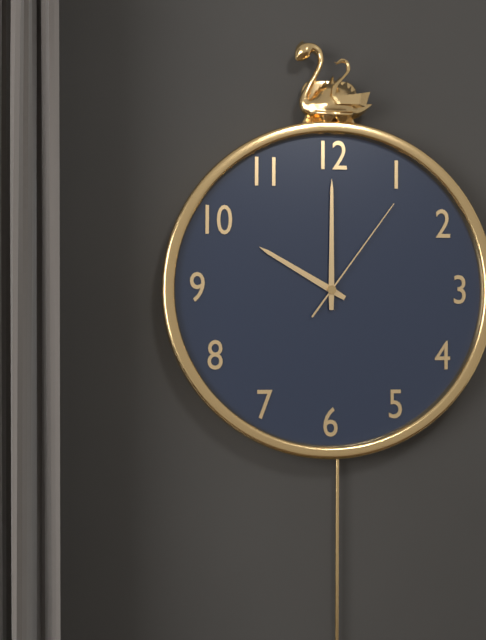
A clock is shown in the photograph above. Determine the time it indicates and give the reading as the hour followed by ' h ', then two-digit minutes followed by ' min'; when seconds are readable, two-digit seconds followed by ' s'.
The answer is 10 h 00 min 06 s
